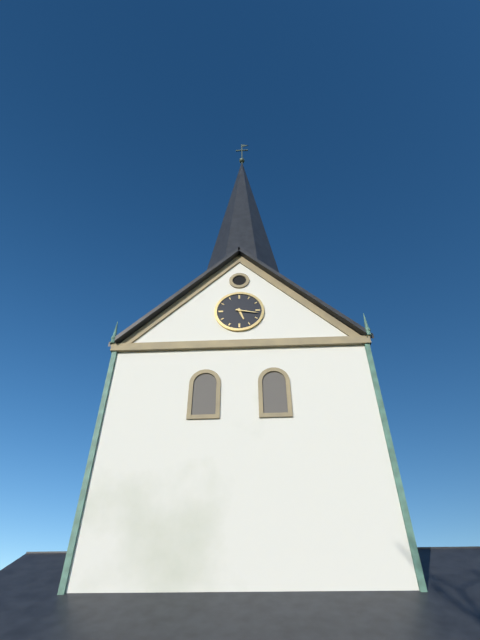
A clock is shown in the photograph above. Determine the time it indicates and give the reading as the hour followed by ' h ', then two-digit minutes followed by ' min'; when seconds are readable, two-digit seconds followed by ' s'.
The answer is 5 h 17 min
